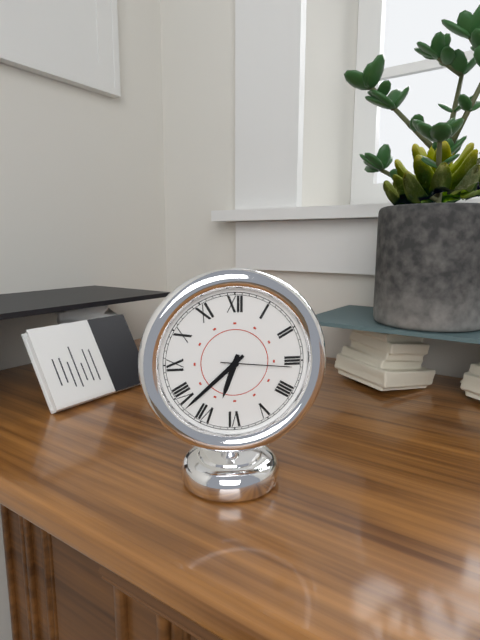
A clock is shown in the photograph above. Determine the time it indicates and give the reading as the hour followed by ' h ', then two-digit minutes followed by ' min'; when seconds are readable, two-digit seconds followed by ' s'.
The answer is 6 h 38 min 16 s
